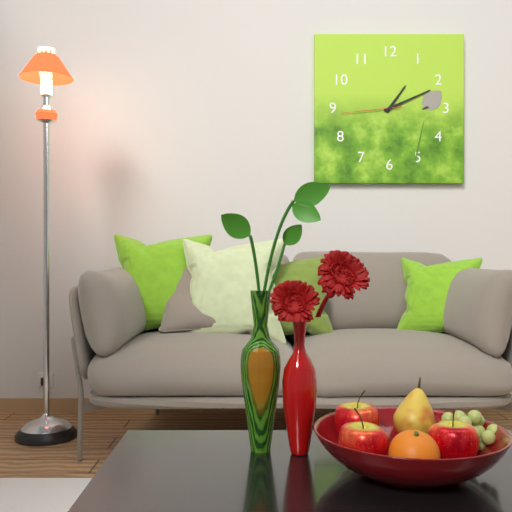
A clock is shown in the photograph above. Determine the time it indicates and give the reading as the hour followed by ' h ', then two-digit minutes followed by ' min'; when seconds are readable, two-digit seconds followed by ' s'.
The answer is 1 h 11 min 44 s
